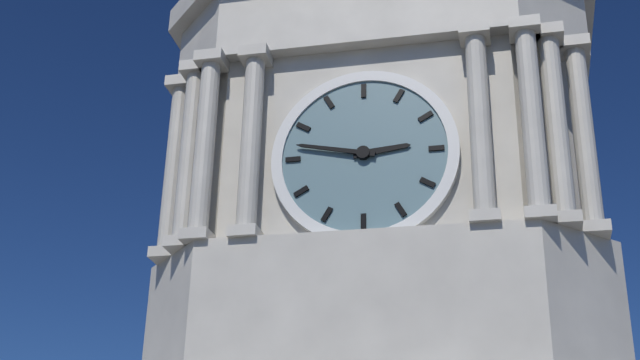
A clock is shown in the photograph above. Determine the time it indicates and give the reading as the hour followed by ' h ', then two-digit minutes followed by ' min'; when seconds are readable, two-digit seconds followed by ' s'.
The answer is 2 h 47 min
